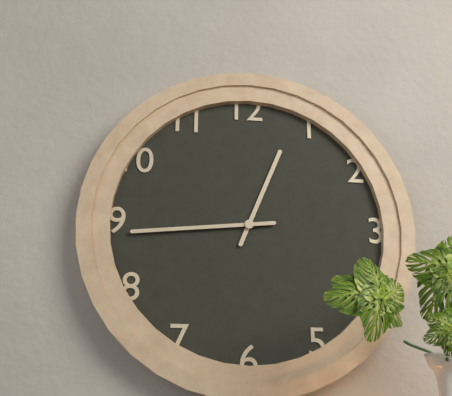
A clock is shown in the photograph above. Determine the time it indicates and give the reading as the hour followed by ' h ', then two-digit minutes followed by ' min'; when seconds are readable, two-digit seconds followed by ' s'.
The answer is 12 h 44 min
